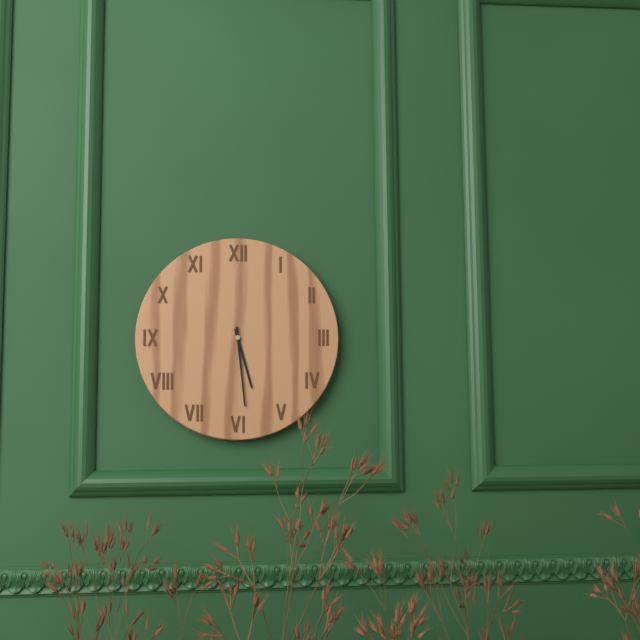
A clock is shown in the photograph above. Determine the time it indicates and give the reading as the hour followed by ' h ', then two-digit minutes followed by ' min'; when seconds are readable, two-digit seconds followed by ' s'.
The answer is 5 h 29 min
